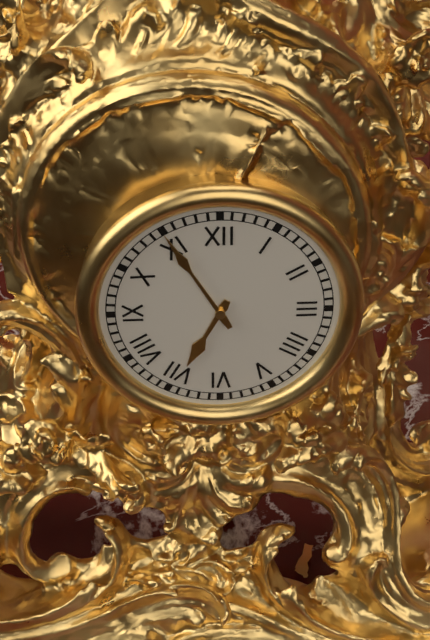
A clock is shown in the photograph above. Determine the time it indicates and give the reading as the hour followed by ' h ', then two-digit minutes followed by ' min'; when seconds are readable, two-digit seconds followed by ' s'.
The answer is 6 h 55 min
